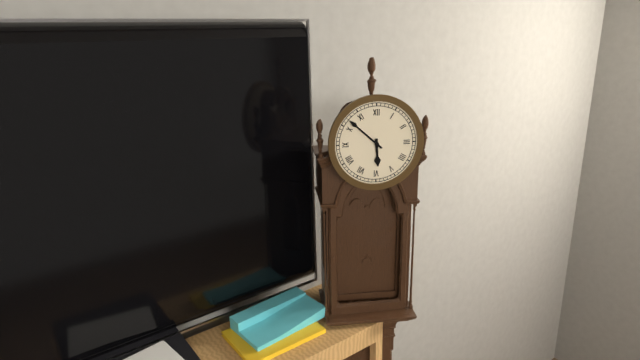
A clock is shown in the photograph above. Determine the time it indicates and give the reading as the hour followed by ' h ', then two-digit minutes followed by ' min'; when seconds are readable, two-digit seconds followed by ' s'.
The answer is 5 h 52 min
